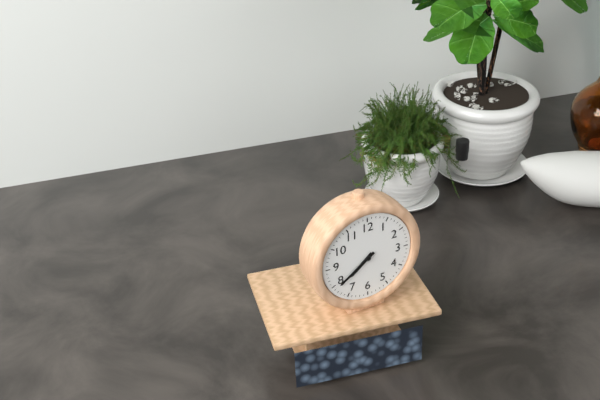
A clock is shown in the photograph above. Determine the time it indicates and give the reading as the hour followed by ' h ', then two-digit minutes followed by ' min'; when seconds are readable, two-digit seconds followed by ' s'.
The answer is 7 h 39 min
